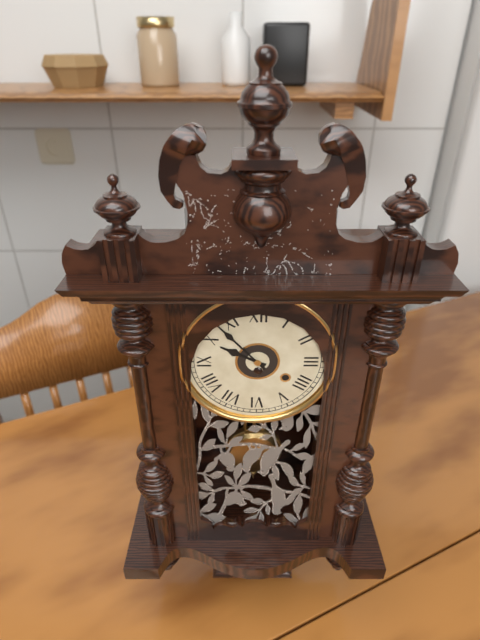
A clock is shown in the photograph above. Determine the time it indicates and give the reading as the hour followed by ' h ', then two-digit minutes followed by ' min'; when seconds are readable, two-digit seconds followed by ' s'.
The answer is 9 h 53 min
